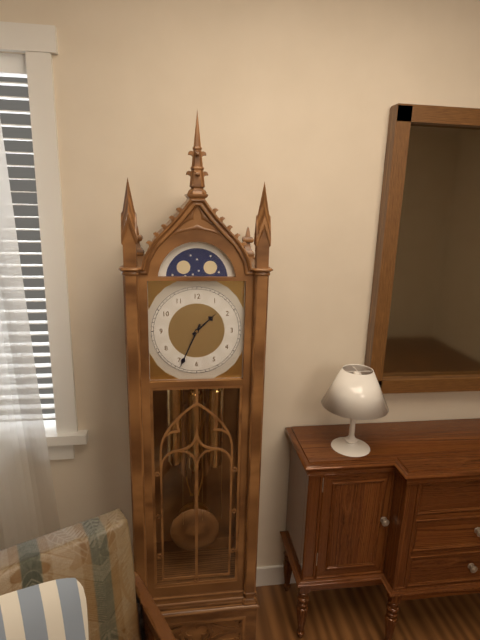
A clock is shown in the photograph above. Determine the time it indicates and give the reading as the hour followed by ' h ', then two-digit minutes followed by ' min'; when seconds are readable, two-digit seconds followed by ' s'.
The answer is 1 h 34 min
